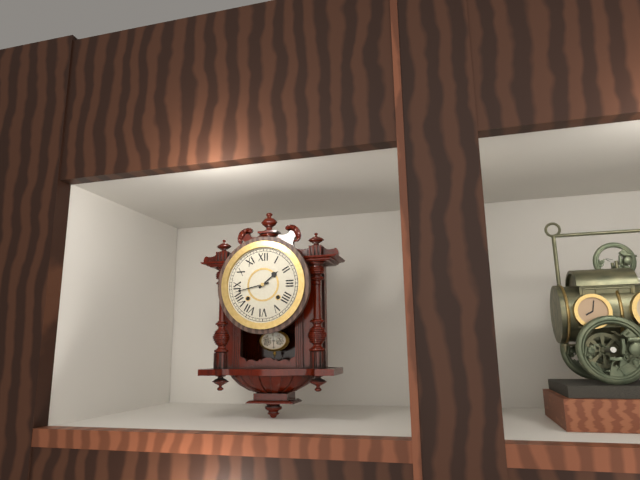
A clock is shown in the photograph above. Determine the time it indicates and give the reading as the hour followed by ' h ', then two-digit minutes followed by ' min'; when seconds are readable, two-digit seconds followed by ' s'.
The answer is 1 h 43 min
